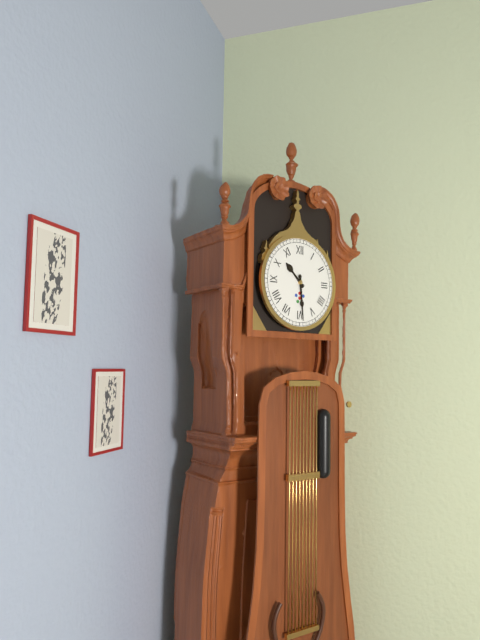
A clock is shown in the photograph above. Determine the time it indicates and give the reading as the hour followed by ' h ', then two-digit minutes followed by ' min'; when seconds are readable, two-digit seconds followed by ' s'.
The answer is 10 h 29 min
